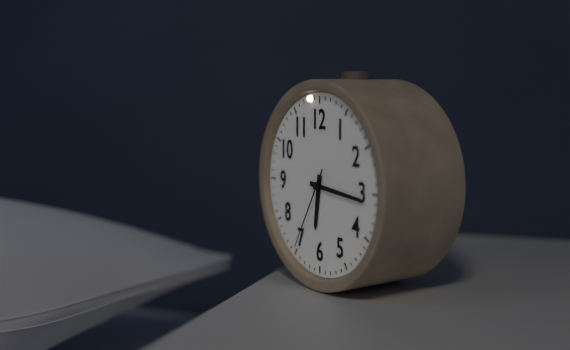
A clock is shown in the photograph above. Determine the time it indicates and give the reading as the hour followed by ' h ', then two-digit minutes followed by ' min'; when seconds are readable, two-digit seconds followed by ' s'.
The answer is 6 h 16 min 35 s
